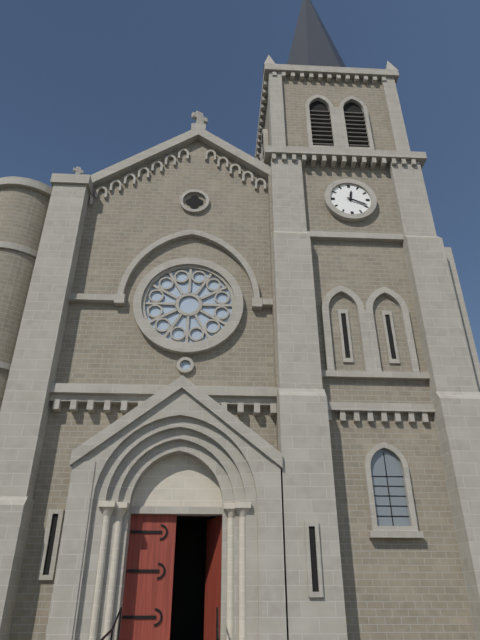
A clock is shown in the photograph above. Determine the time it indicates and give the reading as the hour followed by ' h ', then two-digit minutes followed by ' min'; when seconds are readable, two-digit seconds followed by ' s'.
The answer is 12 h 19 min
